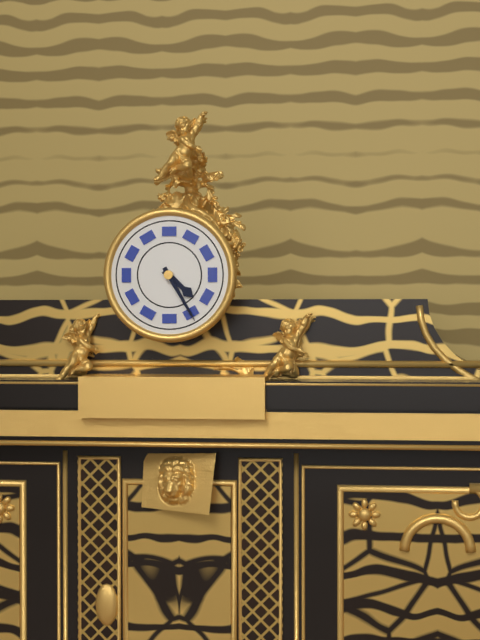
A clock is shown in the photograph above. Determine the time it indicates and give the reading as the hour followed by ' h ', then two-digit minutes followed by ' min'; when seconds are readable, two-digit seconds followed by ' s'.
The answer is 4 h 25 min
